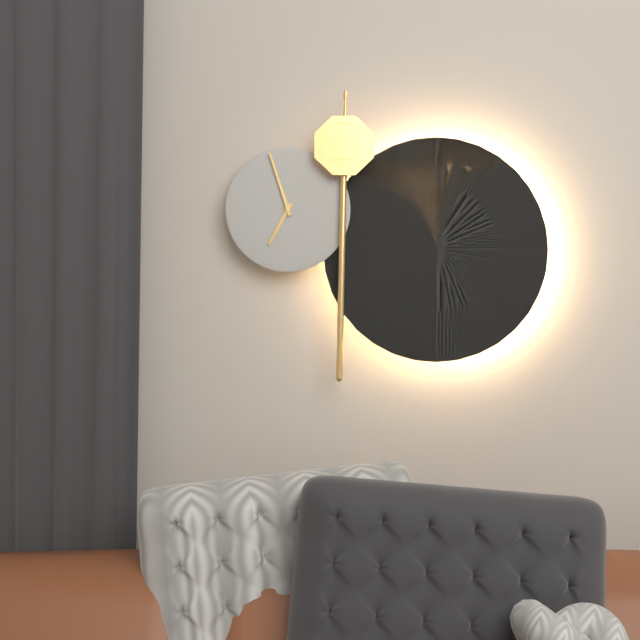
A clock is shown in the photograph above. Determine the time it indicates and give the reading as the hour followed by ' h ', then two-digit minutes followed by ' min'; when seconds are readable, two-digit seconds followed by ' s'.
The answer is 6 h 57 min
